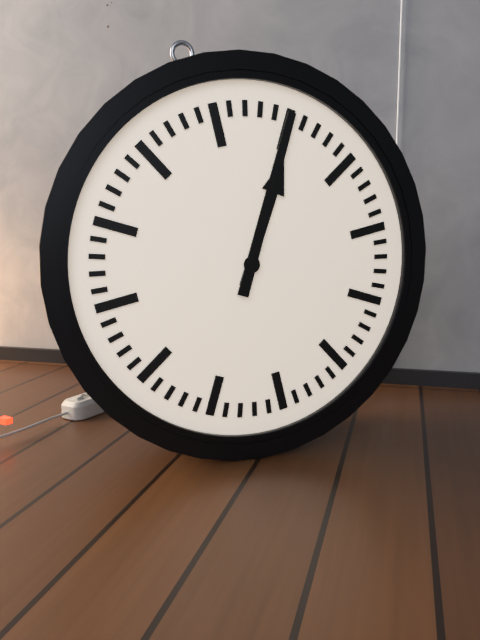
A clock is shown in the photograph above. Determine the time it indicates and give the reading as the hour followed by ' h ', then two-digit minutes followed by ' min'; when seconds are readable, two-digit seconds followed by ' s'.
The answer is 1 h 05 min
